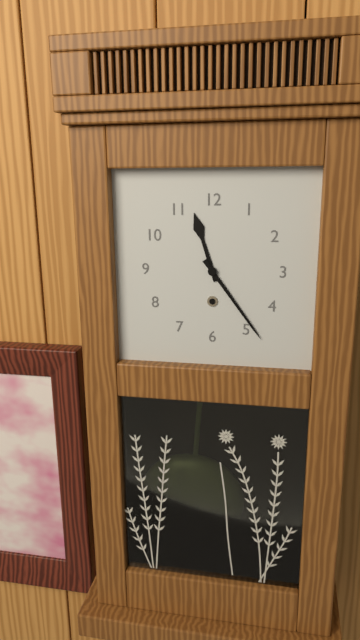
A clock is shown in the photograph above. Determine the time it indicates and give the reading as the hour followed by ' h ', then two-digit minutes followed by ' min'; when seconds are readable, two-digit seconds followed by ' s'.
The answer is 11 h 24 min
